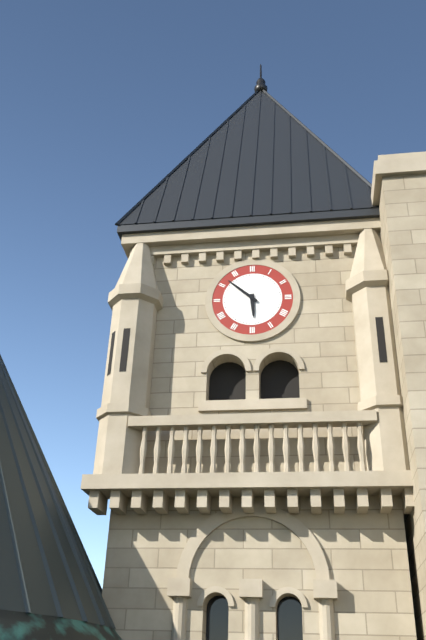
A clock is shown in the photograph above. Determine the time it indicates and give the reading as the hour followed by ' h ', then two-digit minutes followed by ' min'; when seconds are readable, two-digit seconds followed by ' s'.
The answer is 5 h 52 min
